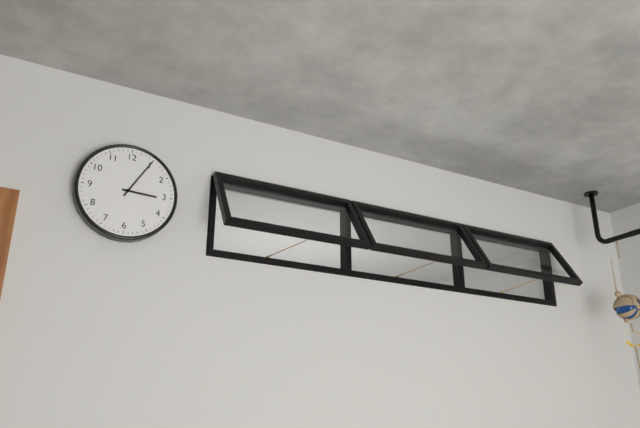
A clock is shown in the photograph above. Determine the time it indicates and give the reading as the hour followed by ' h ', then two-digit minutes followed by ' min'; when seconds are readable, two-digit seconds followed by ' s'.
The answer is 3 h 05 min
